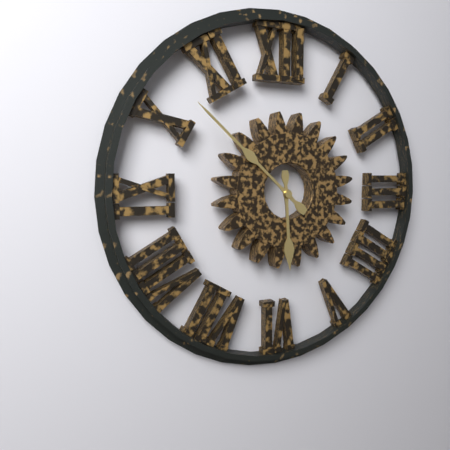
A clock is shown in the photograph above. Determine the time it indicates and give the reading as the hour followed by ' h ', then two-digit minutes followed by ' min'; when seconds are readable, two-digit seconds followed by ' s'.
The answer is 5 h 52 min
